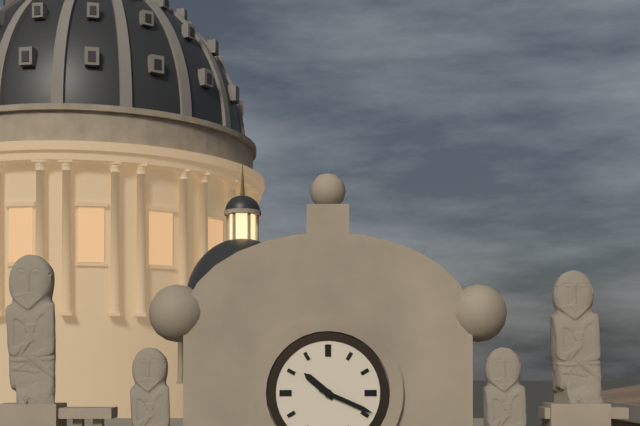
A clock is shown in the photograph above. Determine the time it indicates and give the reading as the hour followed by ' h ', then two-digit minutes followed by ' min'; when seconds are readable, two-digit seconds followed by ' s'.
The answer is 10 h 19 min
